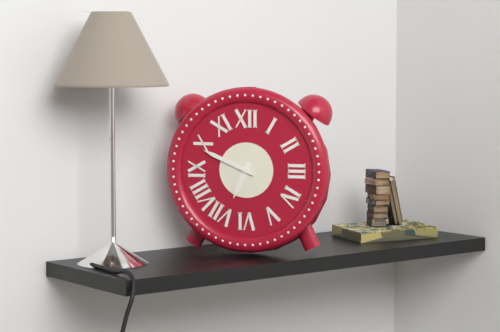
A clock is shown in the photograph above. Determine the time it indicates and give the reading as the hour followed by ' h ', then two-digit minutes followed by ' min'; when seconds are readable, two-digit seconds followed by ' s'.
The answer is 6 h 49 min
